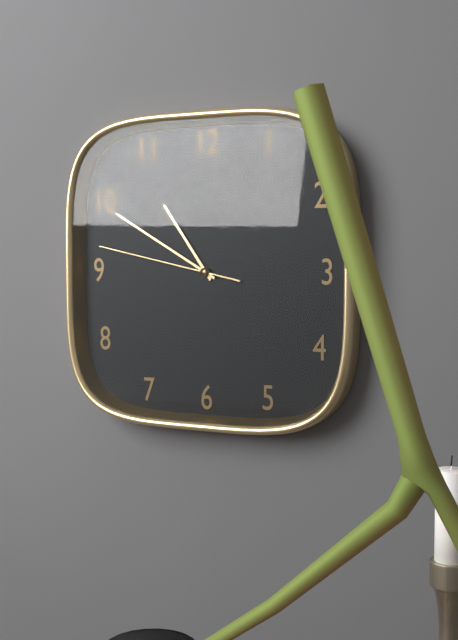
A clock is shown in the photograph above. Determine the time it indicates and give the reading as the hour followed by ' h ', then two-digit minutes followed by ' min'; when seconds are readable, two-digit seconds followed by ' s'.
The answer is 10 h 50 min 47 s
